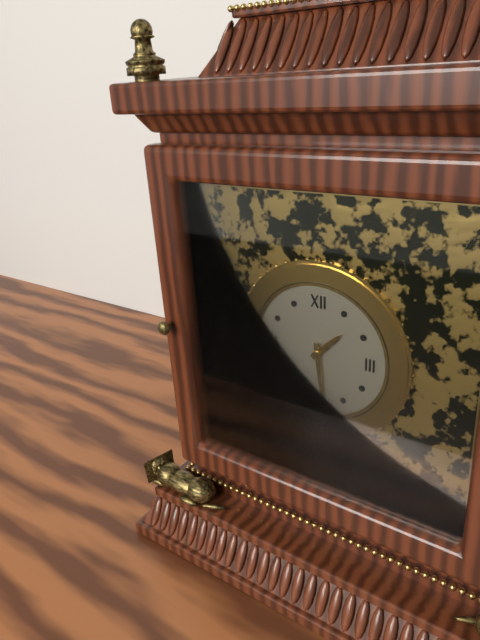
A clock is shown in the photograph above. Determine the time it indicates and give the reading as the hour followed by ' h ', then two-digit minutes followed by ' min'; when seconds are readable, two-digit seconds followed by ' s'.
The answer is 1 h 29 min
